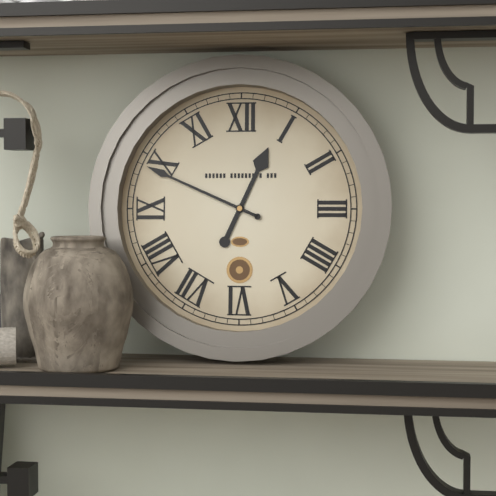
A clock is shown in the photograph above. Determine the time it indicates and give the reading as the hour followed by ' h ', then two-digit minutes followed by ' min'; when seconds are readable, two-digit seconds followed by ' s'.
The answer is 12 h 49 min
